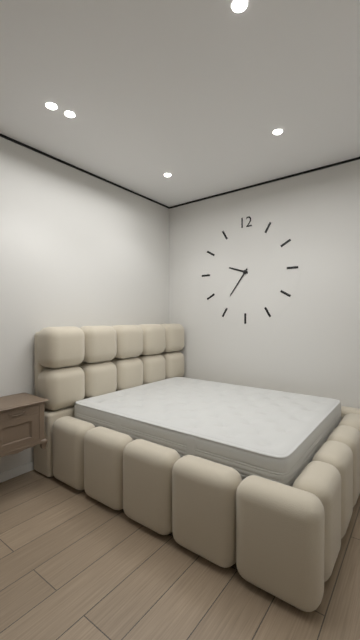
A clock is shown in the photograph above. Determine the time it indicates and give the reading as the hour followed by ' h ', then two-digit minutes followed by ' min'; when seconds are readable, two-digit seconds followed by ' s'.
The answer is 9 h 36 min
